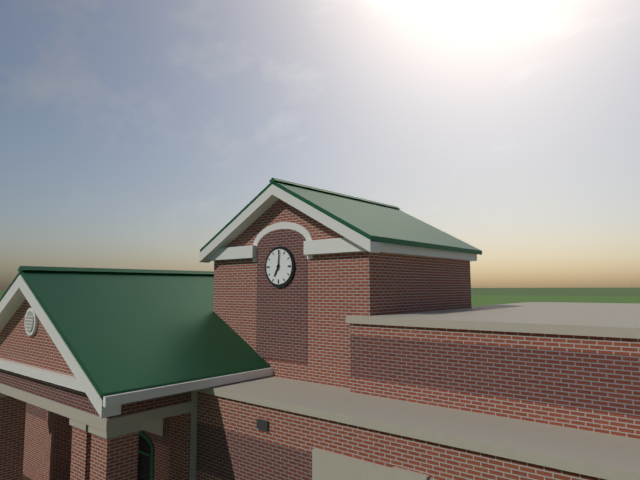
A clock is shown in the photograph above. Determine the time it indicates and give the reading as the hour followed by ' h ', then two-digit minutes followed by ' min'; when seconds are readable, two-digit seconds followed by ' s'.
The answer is 7 h 01 min
